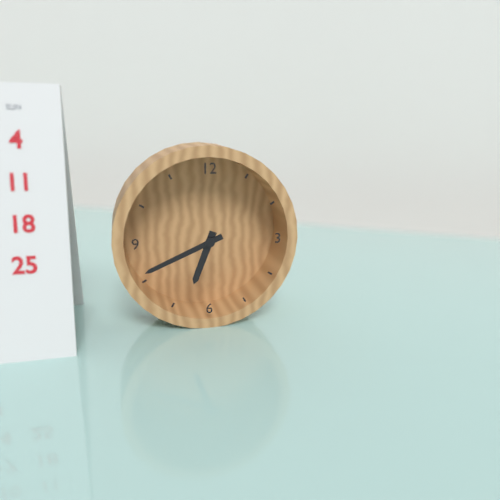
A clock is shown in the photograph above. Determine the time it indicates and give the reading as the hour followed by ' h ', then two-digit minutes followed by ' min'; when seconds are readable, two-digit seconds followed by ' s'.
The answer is 6 h 41 min
